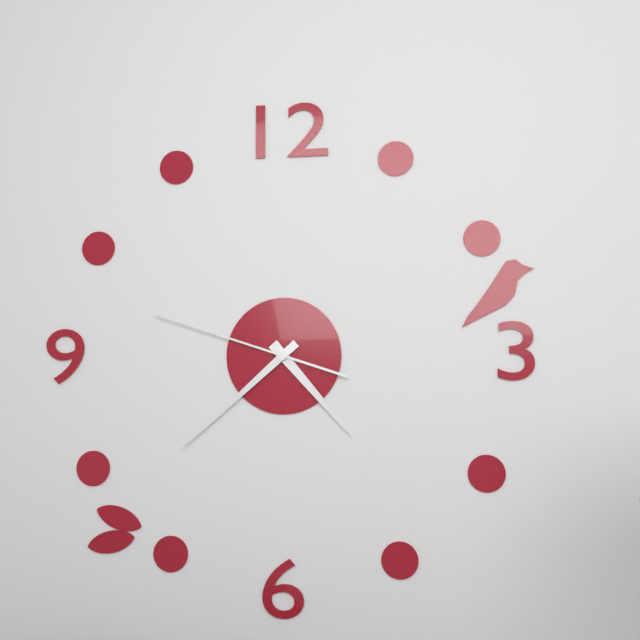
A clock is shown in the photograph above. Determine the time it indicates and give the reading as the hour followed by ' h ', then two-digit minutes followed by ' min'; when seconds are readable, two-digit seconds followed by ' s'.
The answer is 4 h 38 min 48 s
